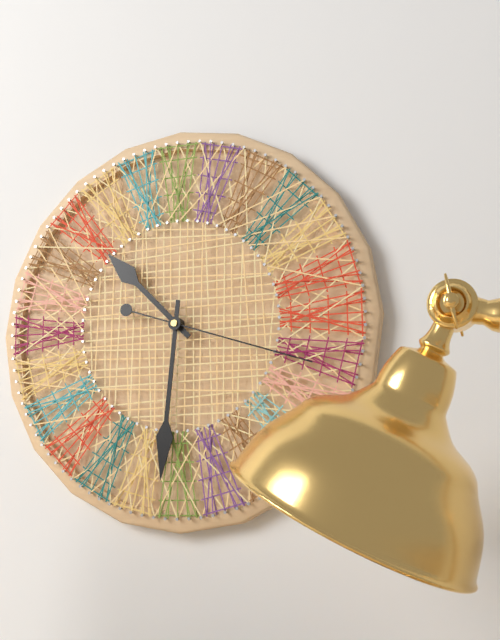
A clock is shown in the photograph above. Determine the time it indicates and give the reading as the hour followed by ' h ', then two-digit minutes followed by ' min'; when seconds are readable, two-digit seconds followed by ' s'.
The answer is 10 h 31 min 18 s
